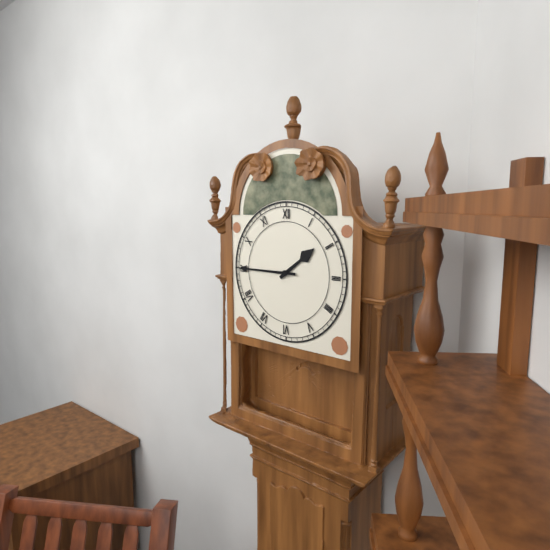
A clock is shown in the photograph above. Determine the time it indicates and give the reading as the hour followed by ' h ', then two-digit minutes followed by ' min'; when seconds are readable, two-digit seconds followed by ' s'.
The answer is 1 h 45 min
